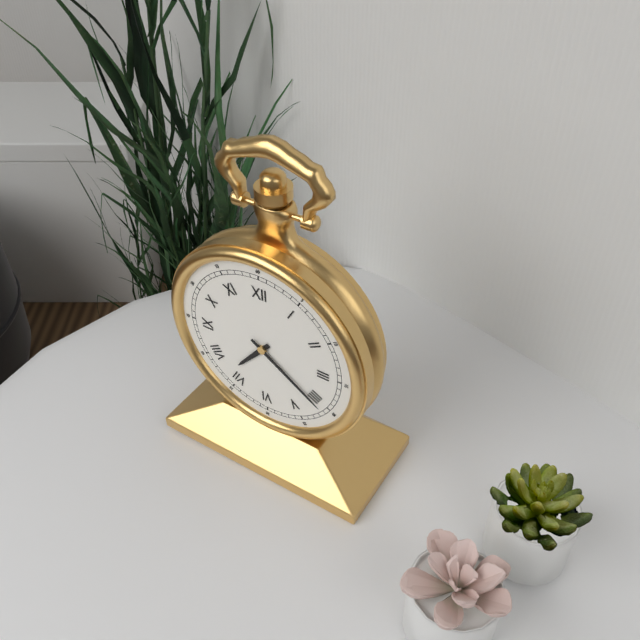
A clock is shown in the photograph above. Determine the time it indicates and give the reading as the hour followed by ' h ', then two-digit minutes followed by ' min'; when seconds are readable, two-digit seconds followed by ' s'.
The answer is 7 h 21 min
